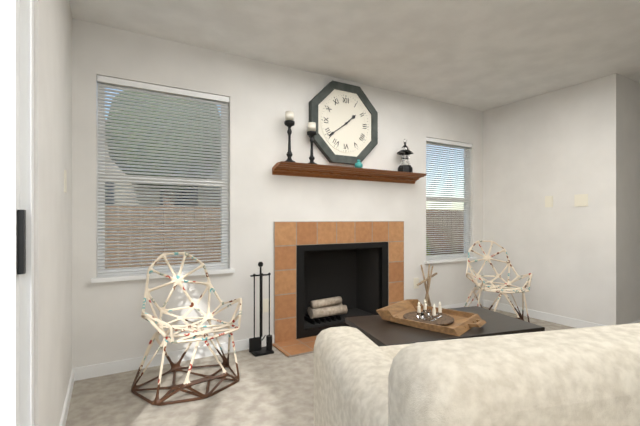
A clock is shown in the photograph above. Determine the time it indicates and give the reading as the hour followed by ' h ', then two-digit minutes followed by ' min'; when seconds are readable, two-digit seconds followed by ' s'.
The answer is 1 h 39 min
